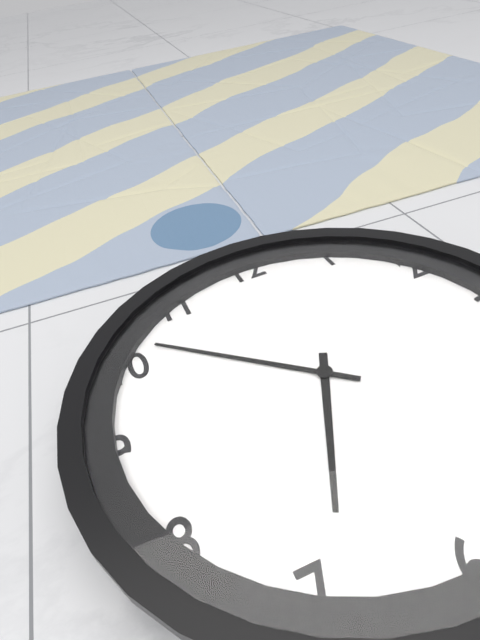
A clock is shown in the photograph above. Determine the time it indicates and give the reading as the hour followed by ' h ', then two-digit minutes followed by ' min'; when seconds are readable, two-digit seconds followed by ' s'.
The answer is 6 h 52 min
